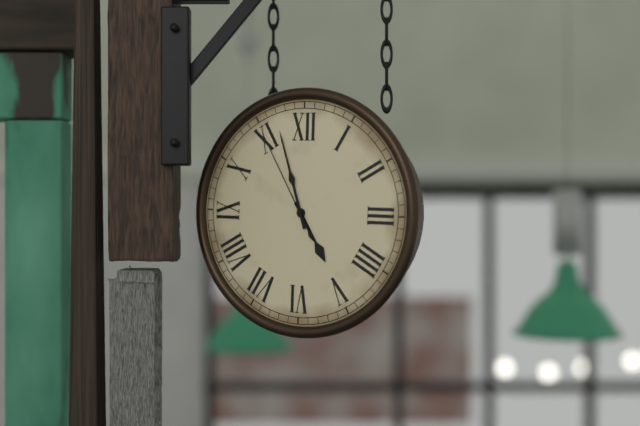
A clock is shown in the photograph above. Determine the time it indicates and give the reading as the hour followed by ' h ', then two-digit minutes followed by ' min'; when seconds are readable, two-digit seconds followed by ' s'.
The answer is 4 h 57 min 55 s
